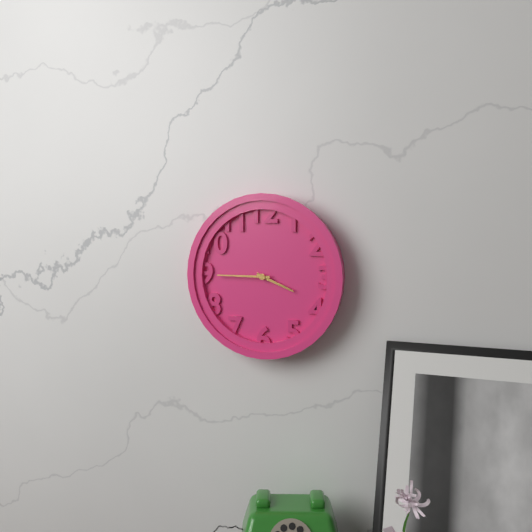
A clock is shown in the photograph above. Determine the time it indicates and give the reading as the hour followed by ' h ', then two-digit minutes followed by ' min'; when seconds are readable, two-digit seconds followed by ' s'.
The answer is 3 h 45 min
